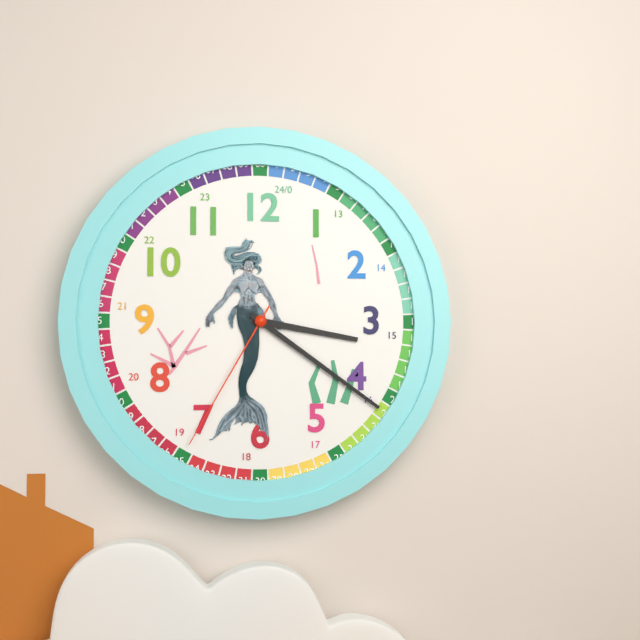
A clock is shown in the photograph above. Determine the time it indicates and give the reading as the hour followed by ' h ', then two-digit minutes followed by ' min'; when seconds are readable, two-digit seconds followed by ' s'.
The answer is 3 h 21 min 35 s
